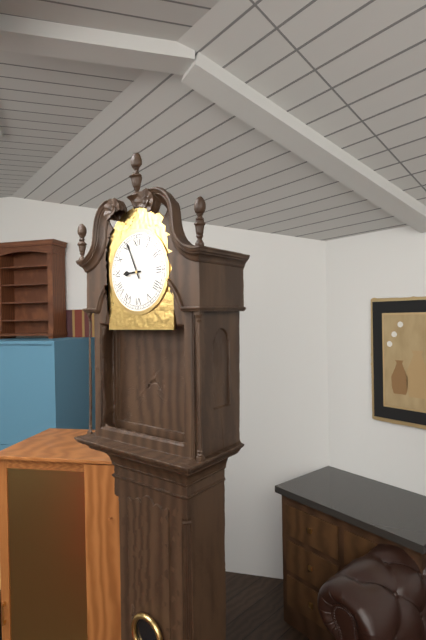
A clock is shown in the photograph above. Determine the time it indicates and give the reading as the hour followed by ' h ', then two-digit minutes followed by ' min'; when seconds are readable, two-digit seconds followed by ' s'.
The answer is 8 h 56 min
